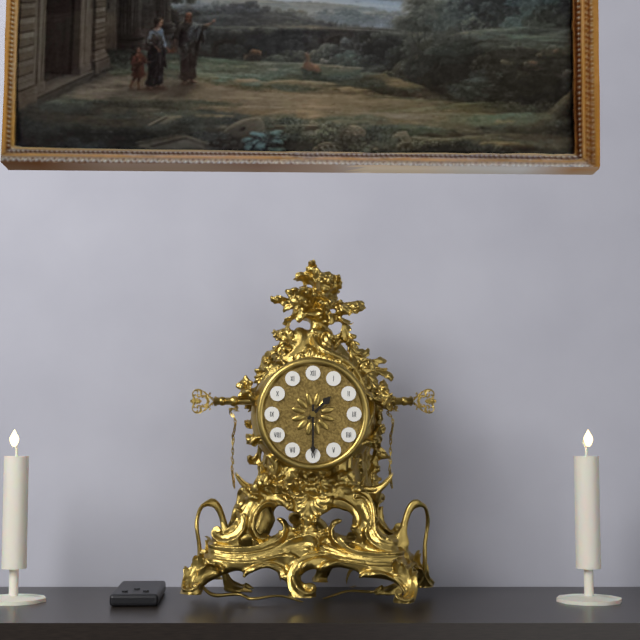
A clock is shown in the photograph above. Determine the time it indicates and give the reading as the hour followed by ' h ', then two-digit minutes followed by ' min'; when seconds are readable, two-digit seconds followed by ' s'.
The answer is 1 h 30 min
